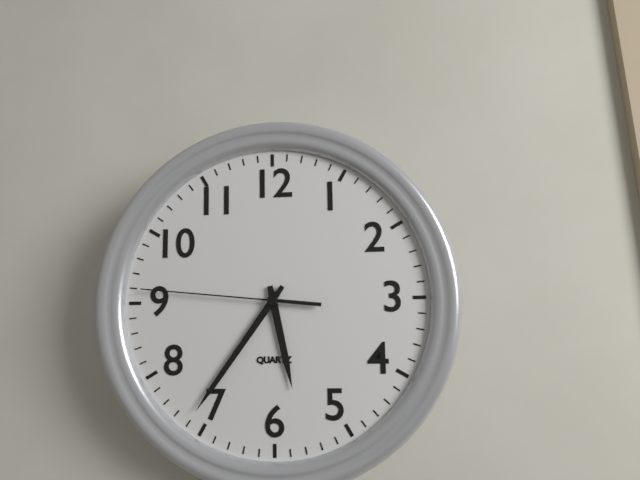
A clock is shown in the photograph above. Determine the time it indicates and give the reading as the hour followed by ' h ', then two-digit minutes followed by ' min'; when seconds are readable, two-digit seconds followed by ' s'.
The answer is 5 h 36 min 46 s
